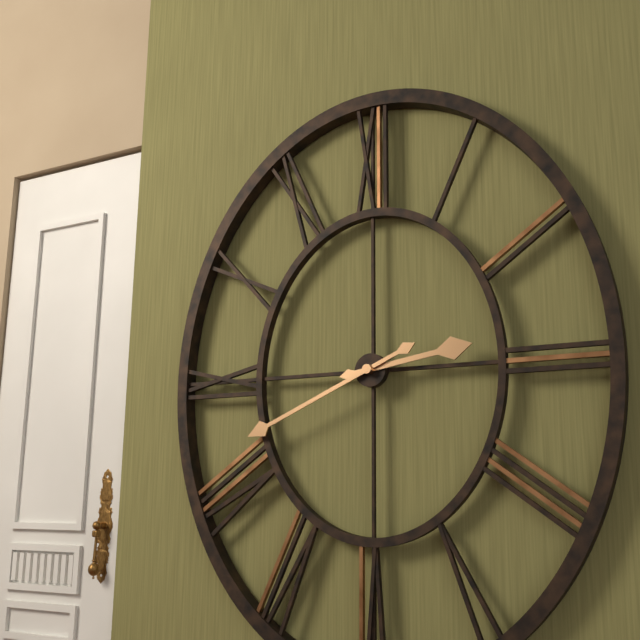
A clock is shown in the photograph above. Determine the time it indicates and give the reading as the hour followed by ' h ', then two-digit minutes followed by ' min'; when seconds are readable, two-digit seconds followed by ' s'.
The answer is 2 h 41 min
